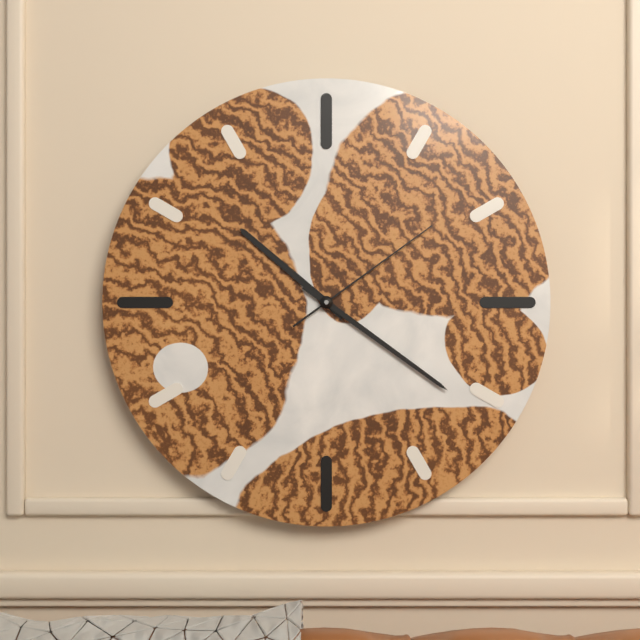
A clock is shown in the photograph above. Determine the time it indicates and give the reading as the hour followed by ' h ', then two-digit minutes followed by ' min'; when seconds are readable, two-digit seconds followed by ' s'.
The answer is 10 h 21 min 09 s
